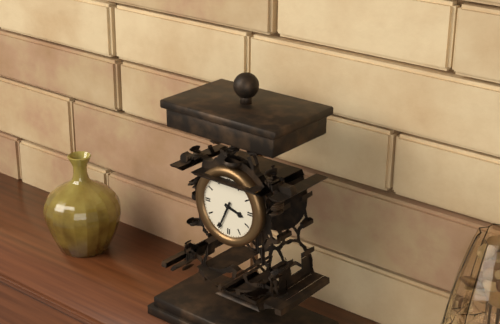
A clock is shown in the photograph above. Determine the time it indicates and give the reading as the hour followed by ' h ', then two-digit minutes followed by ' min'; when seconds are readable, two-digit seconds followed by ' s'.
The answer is 3 h 34 min
